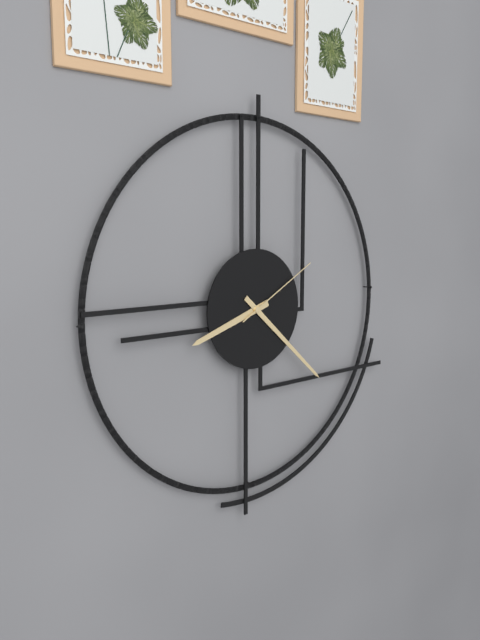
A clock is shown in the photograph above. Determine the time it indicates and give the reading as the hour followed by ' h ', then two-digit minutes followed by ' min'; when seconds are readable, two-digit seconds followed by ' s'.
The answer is 8 h 22 min 10 s
